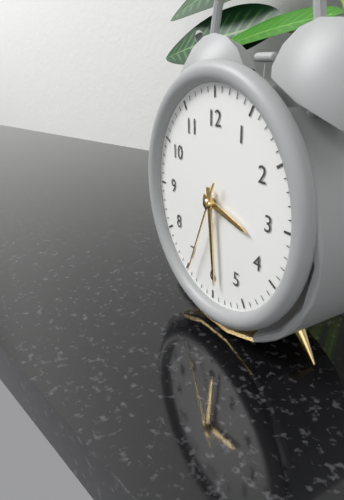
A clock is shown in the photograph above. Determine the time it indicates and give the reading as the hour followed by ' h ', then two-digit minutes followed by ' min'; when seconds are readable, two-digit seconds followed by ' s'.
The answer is 3 h 29 min 34 s
